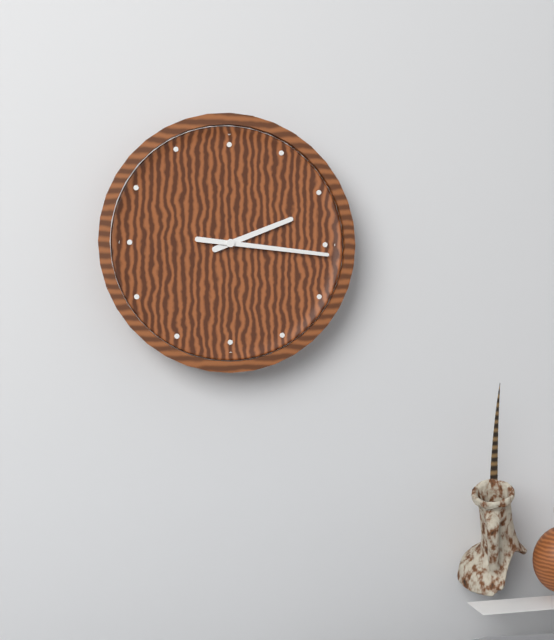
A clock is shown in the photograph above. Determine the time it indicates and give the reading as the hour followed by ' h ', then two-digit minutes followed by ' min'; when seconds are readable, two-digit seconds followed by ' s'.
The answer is 2 h 16 min
